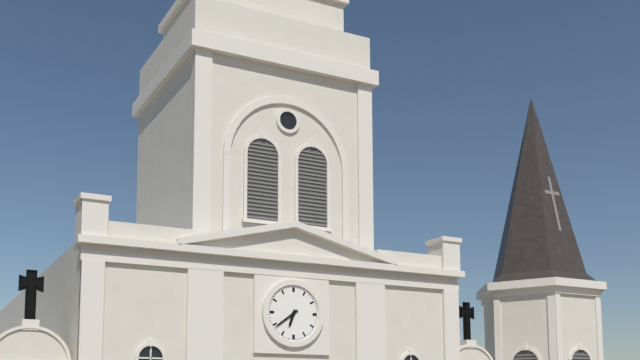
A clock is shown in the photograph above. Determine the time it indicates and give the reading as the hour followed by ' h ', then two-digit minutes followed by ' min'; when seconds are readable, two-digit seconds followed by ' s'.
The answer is 6 h 39 min
